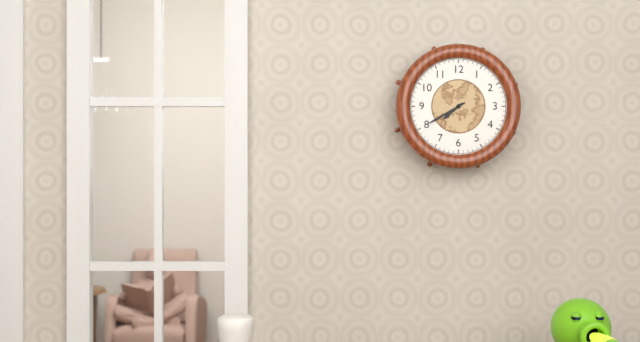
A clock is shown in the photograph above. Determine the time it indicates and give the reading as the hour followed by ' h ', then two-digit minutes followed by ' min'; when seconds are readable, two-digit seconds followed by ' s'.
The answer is 7 h 40 min
